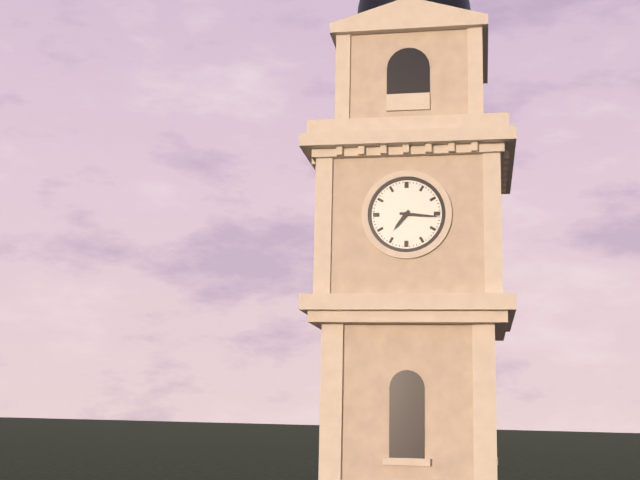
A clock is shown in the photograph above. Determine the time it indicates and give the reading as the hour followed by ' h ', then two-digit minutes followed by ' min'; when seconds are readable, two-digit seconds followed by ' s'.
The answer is 7 h 16 min
